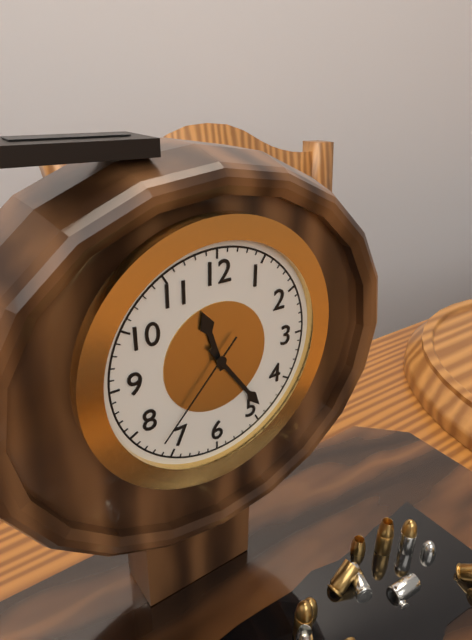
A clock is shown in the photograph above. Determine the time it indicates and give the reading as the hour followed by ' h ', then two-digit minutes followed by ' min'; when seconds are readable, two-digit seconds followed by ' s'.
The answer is 11 h 24 min 37 s
